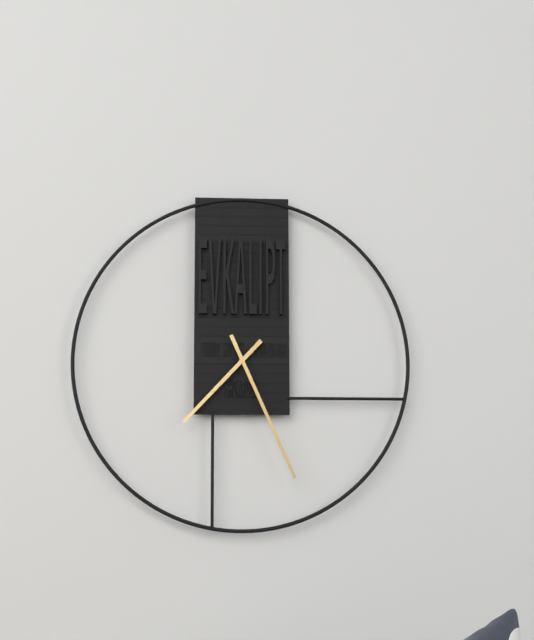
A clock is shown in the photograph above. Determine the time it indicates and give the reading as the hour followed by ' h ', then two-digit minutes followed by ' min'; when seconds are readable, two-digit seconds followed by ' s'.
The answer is 7 h 26 min
